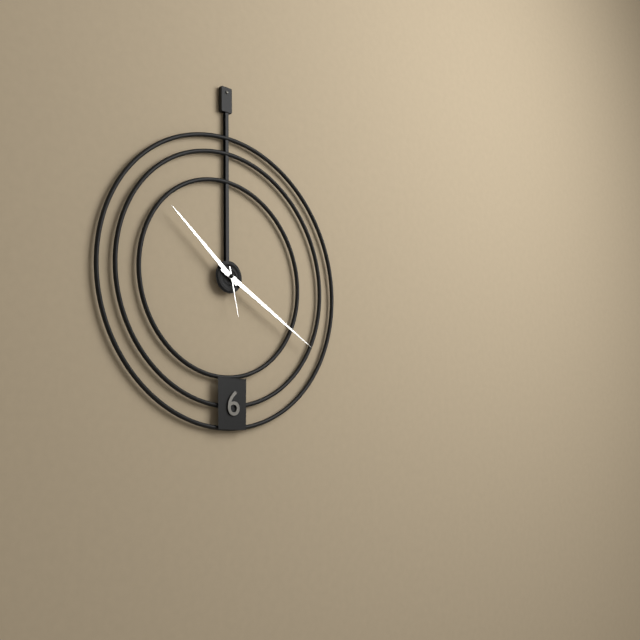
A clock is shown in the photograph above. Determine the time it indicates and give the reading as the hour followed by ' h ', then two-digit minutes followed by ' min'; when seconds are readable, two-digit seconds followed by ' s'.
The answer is 10 h 20 min 28 s
